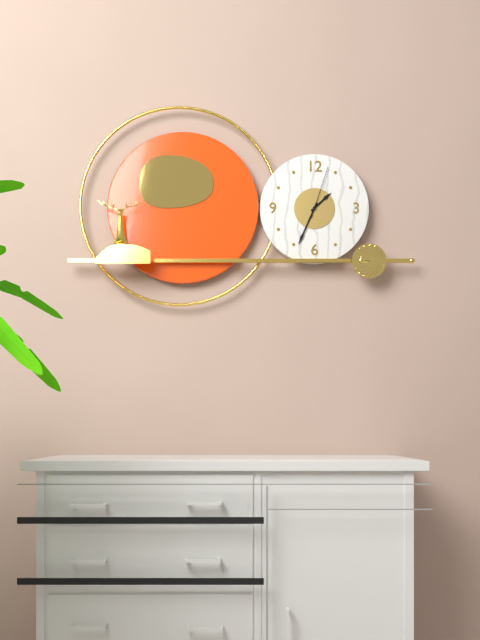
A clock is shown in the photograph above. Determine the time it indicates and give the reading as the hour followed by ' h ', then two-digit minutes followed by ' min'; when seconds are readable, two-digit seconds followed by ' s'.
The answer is 1 h 34 min 03 s
